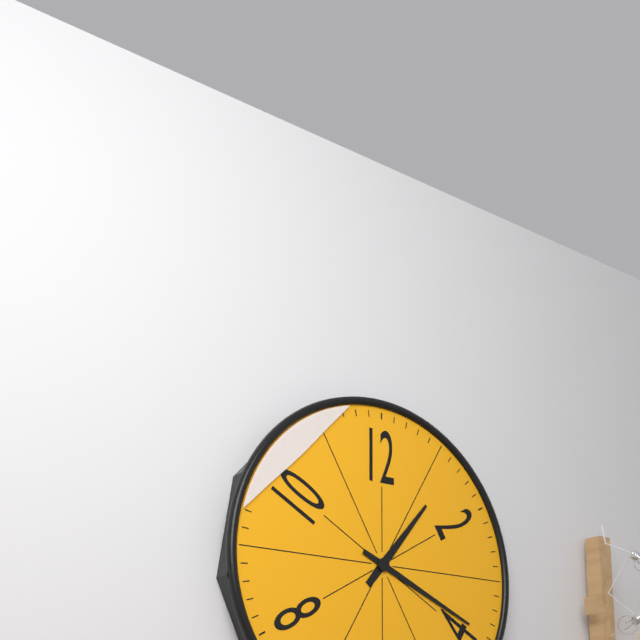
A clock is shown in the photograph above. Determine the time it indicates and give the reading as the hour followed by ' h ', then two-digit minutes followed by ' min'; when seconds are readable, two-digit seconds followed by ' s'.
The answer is 1 h 19 min
